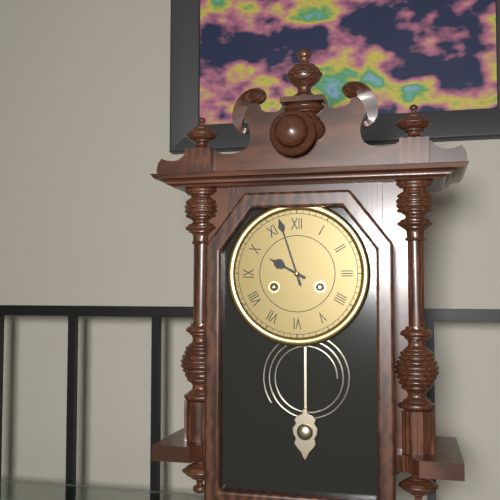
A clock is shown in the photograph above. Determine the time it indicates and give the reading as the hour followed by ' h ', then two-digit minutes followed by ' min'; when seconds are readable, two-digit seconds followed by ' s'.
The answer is 9 h 57 min
